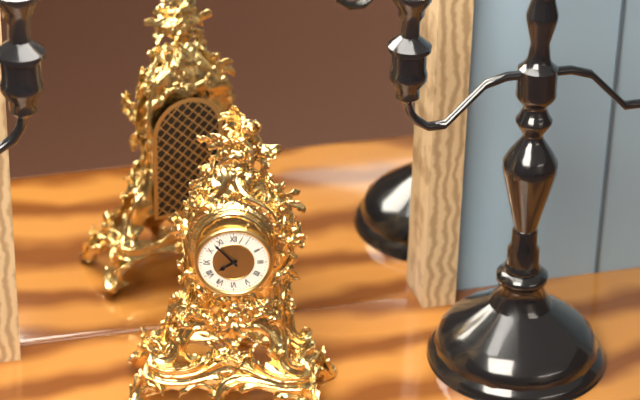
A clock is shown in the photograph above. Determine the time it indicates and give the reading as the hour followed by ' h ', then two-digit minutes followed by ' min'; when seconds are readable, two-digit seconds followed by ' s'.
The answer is 7 h 53 min
